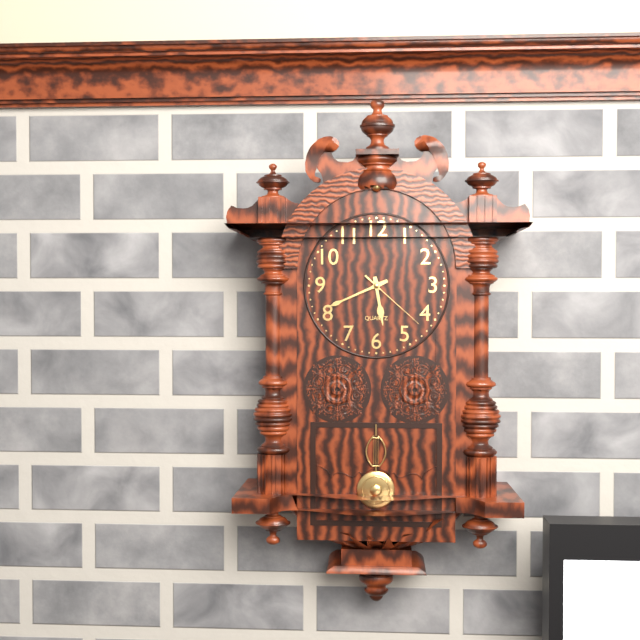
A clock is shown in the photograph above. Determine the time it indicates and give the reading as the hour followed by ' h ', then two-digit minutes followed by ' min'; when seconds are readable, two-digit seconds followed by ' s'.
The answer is 5 h 41 min 22 s
